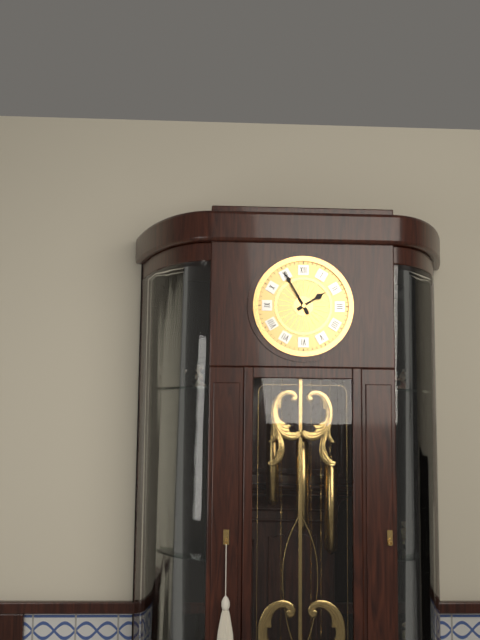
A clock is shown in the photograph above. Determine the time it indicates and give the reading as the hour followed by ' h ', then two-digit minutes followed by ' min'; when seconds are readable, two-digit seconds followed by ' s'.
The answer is 1 h 55 min
